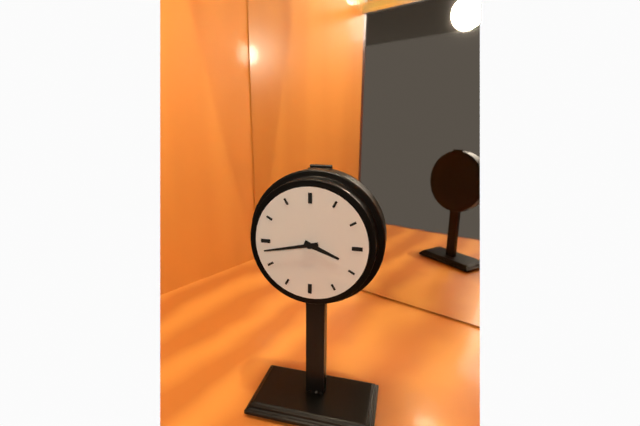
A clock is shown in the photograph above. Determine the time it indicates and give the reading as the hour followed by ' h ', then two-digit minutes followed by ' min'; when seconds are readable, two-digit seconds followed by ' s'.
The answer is 3 h 43 min
